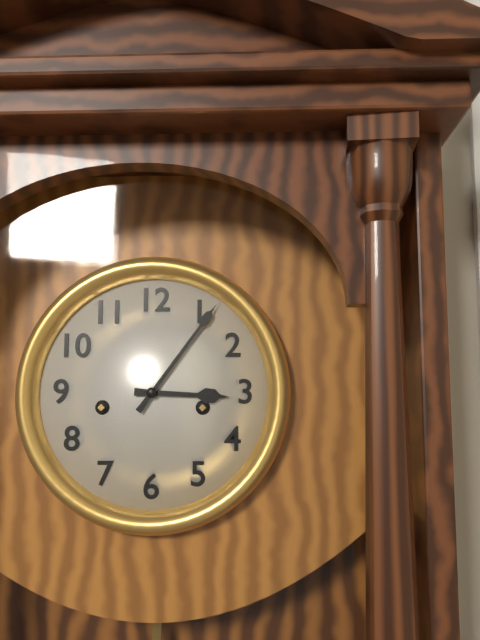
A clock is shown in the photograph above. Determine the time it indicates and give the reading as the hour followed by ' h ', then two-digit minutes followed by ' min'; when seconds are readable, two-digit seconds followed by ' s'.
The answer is 3 h 06 min
